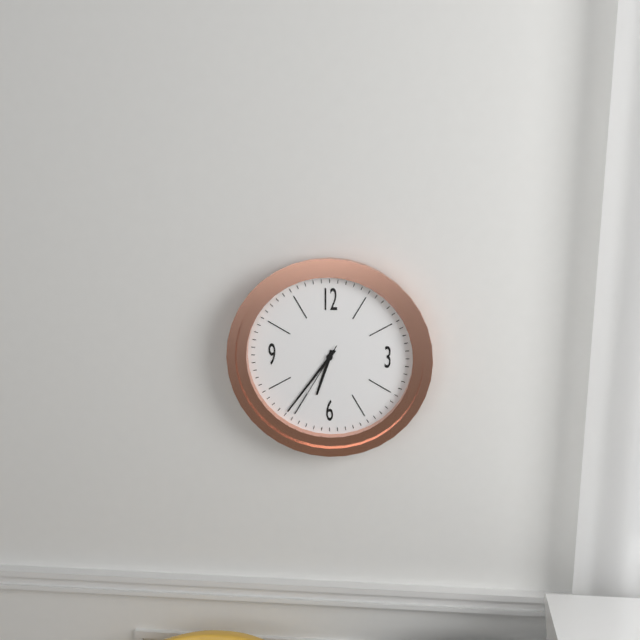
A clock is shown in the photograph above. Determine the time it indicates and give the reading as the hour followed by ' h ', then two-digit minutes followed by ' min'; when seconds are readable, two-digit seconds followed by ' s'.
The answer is 6 h 36 min 35 s
